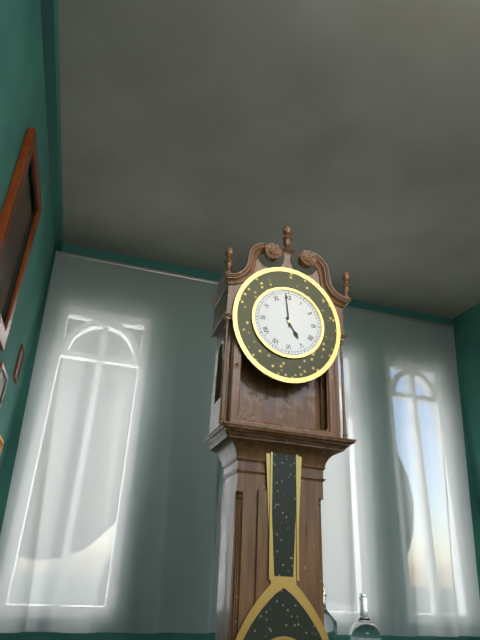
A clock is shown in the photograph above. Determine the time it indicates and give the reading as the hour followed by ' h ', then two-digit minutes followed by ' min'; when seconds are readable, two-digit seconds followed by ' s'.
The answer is 4 h 59 min
